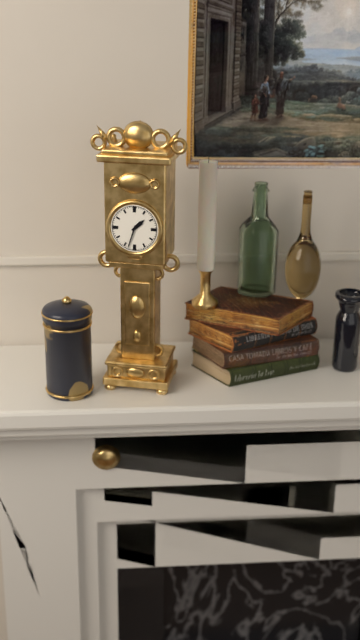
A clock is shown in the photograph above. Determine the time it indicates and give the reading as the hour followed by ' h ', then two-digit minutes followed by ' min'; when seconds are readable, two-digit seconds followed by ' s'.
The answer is 1 h 33 min
